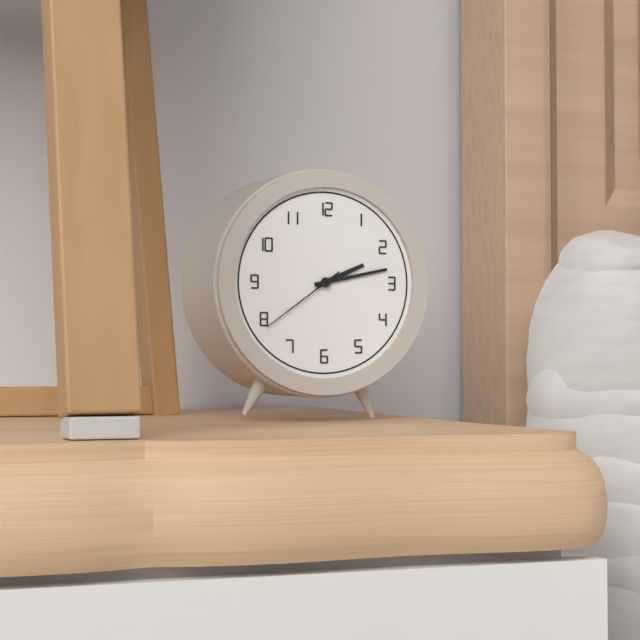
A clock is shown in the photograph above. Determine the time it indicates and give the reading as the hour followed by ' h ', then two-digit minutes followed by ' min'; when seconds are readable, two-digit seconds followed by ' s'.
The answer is 2 h 13 min 39 s
